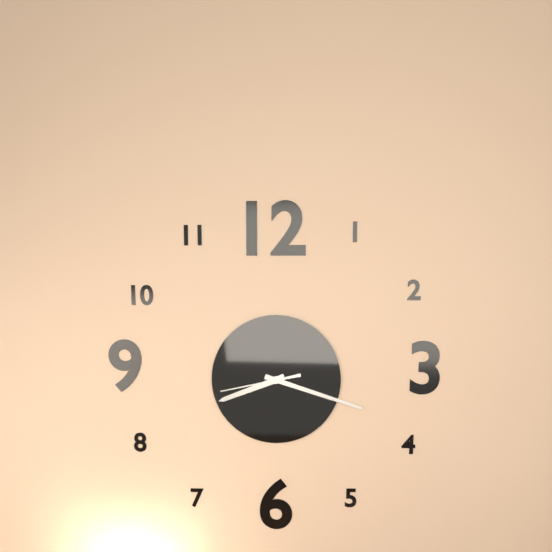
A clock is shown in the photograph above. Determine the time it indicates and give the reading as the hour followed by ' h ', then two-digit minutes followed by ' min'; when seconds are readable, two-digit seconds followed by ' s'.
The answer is 8 h 18 min 43 s
